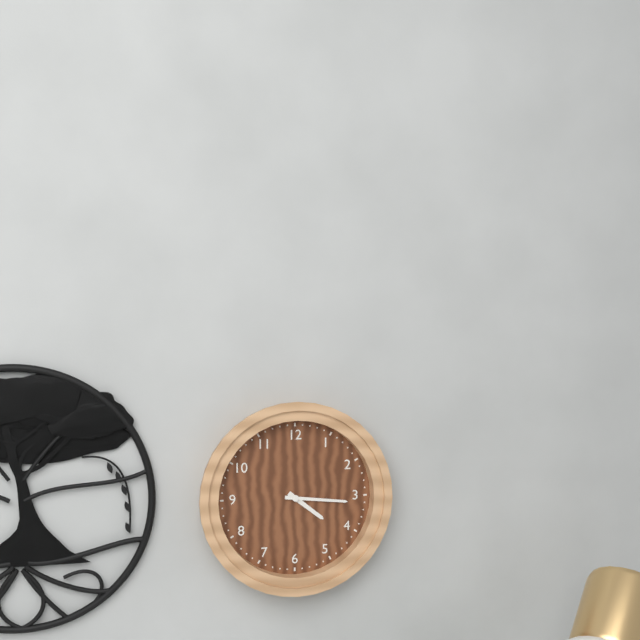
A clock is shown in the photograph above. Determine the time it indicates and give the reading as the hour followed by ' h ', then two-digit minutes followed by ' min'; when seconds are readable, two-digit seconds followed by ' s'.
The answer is 4 h 16 min
